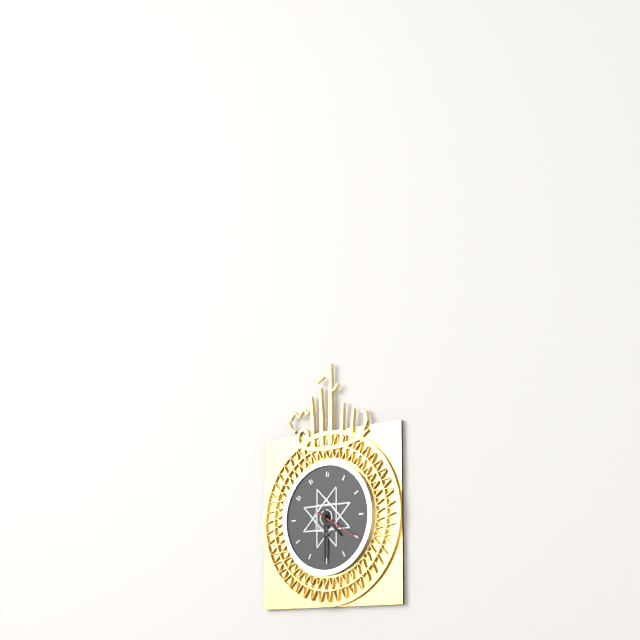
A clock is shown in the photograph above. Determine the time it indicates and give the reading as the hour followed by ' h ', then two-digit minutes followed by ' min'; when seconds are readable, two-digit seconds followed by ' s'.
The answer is 4 h 30 min
